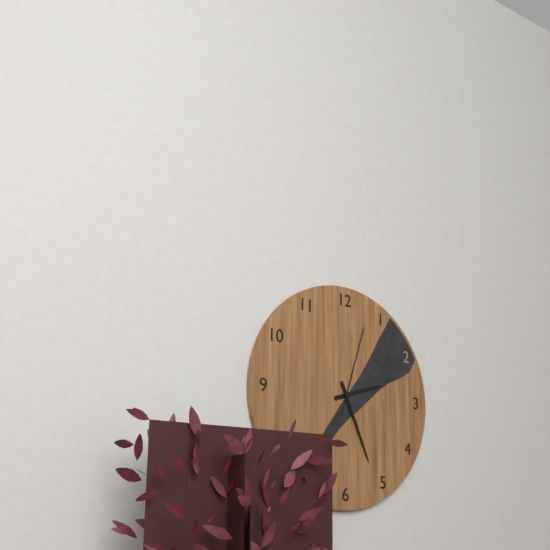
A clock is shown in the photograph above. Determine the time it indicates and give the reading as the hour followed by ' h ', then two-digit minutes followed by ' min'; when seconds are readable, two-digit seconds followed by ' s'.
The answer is 2 h 26 min 03 s
